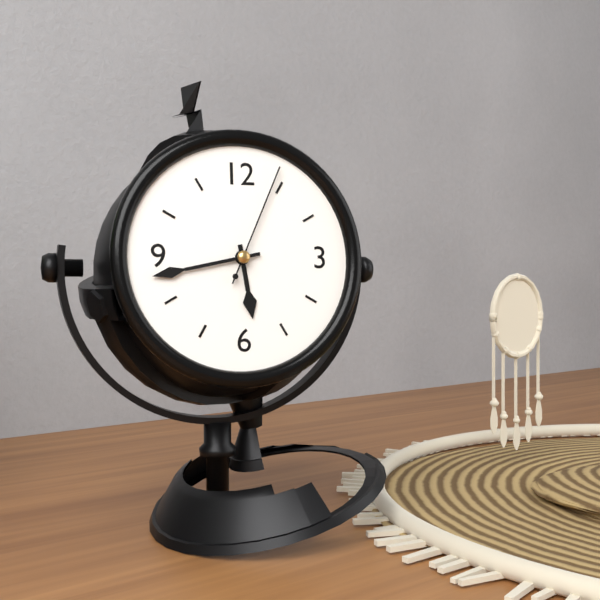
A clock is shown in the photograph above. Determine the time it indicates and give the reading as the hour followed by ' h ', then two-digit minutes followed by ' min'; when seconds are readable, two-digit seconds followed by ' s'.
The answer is 5 h 43 min 04 s
